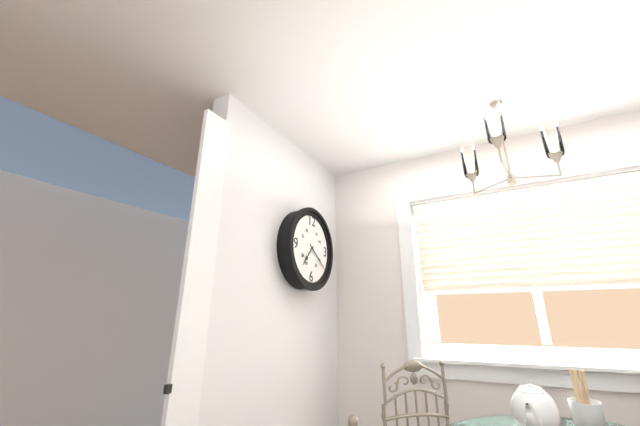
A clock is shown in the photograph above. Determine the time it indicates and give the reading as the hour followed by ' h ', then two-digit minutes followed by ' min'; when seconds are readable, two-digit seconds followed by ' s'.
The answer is 7 h 21 min
